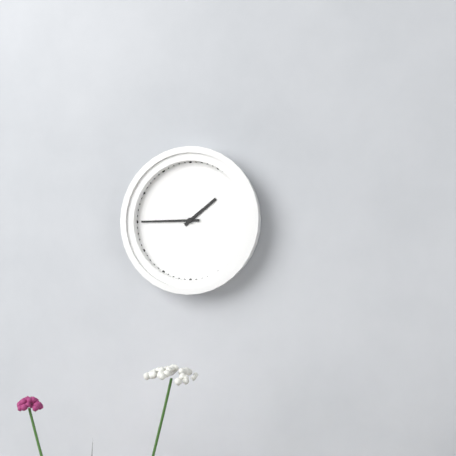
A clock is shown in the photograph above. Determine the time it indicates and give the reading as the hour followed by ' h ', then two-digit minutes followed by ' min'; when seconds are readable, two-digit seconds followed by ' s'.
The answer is 1 h 45 min
